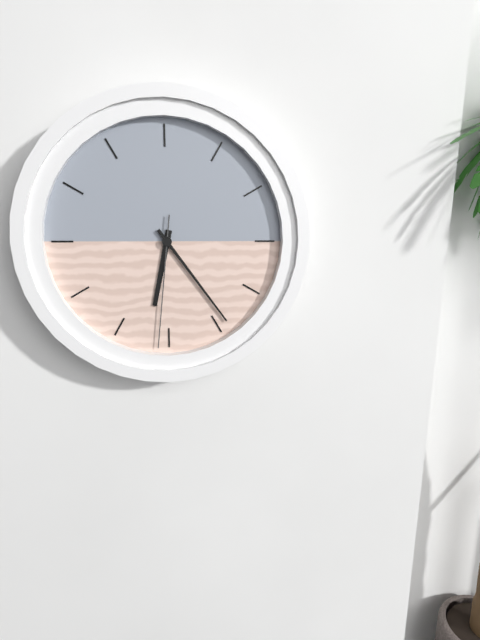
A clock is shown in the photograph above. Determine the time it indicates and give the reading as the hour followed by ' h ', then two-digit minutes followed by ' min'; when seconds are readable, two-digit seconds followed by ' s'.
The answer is 6 h 24 min 31 s
